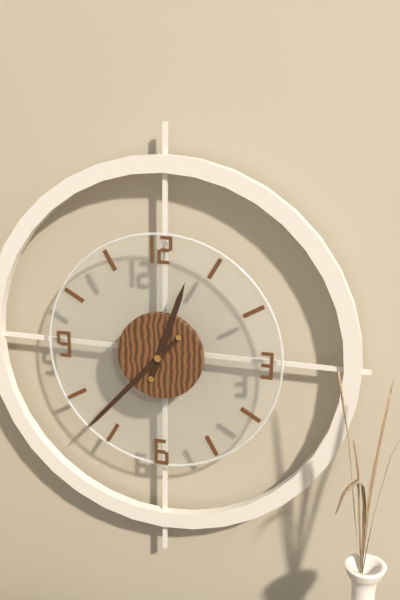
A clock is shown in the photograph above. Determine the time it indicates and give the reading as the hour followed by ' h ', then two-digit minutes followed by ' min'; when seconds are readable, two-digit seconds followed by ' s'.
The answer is 12 h 37 min
